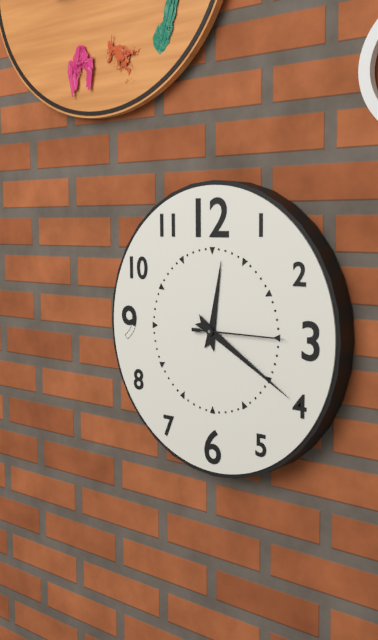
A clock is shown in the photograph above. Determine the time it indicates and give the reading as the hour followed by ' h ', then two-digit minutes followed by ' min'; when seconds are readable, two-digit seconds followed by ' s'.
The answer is 12 h 20 min 15 s
